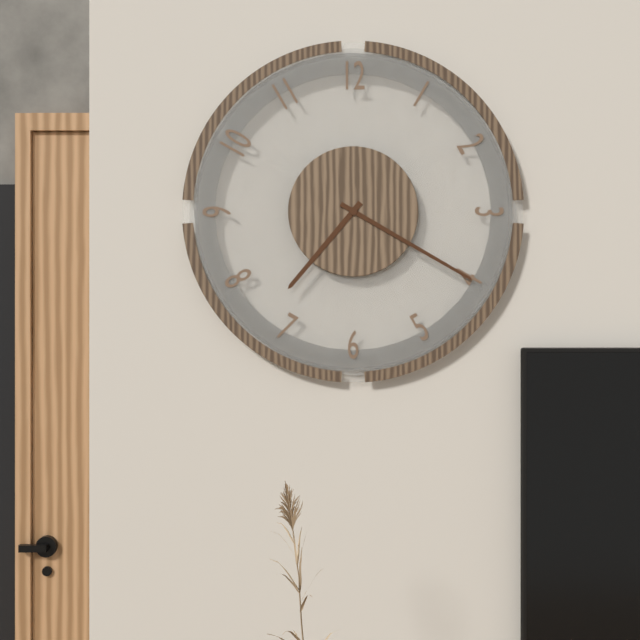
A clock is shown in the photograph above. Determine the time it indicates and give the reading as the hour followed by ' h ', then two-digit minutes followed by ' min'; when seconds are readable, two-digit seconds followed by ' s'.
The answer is 7 h 20 min
